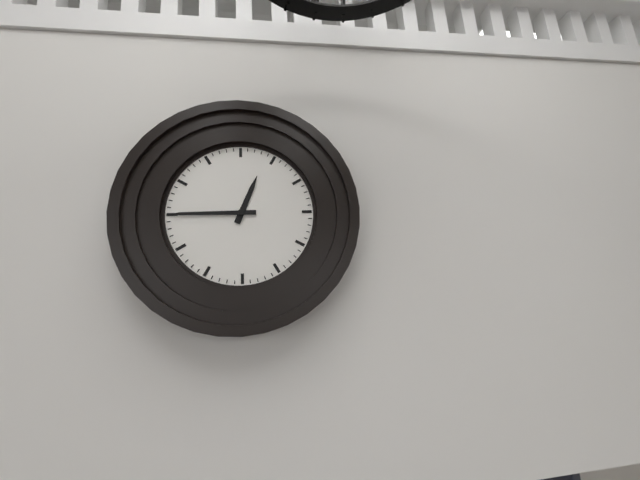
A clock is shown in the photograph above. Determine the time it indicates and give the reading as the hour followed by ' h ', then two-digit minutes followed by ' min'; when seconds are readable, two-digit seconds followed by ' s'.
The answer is 12 h 45 min
